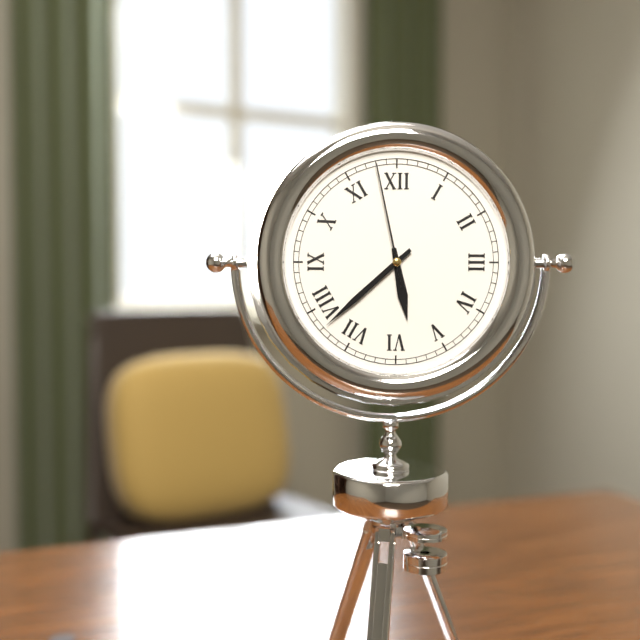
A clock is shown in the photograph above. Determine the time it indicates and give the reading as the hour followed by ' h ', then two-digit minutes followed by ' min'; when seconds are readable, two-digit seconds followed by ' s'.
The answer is 5 h 38 min 58 s
